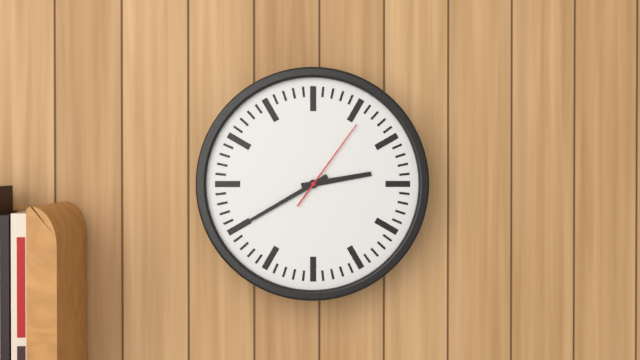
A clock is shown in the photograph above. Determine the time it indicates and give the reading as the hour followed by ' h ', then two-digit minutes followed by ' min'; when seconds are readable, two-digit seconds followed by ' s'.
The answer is 2 h 40 min 06 s
